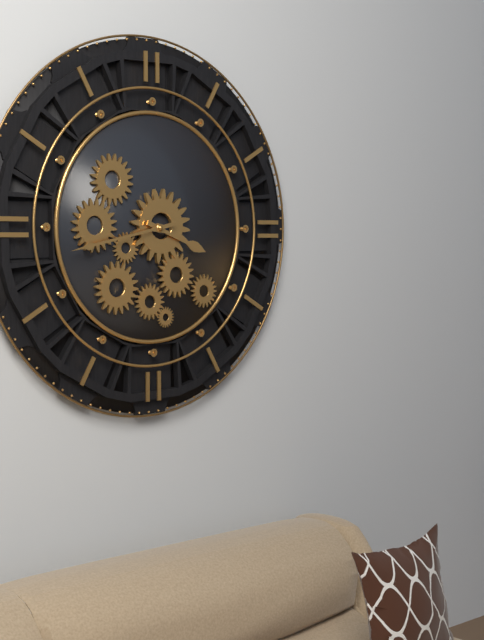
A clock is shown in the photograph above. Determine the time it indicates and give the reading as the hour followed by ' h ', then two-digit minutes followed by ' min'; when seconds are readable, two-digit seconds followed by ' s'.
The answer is 3 h 43 min
